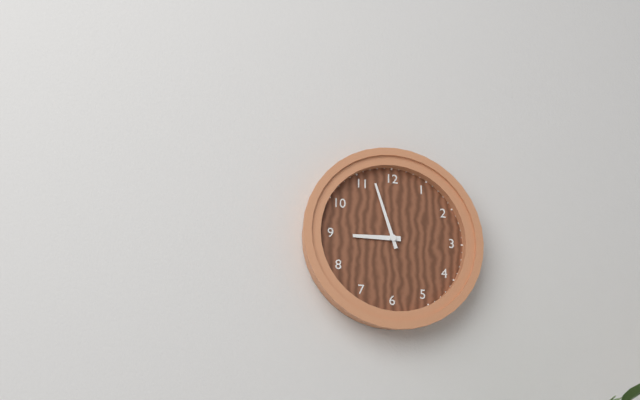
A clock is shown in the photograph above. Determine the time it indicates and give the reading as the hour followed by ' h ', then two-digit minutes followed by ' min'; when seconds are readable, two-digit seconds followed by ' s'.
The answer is 8 h 57 min
